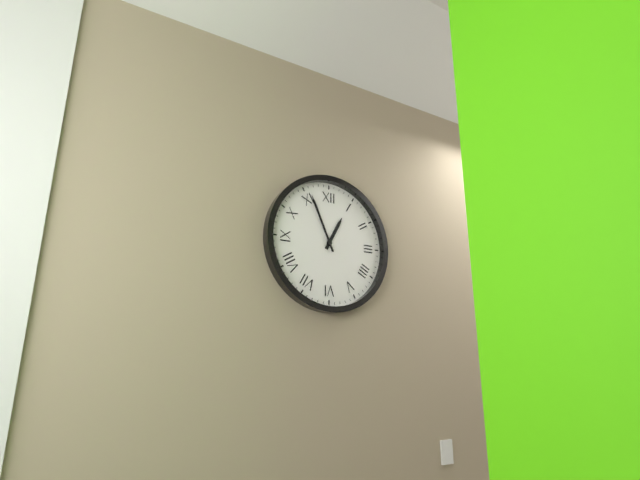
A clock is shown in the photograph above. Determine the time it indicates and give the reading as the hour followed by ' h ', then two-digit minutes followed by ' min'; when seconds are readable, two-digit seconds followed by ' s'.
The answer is 12 h 56 min
